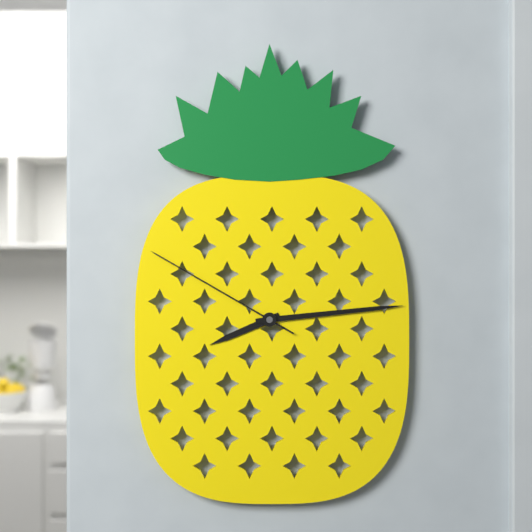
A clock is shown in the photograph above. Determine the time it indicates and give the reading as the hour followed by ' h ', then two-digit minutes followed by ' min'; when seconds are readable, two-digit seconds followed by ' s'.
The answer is 8 h 14 min 50 s
